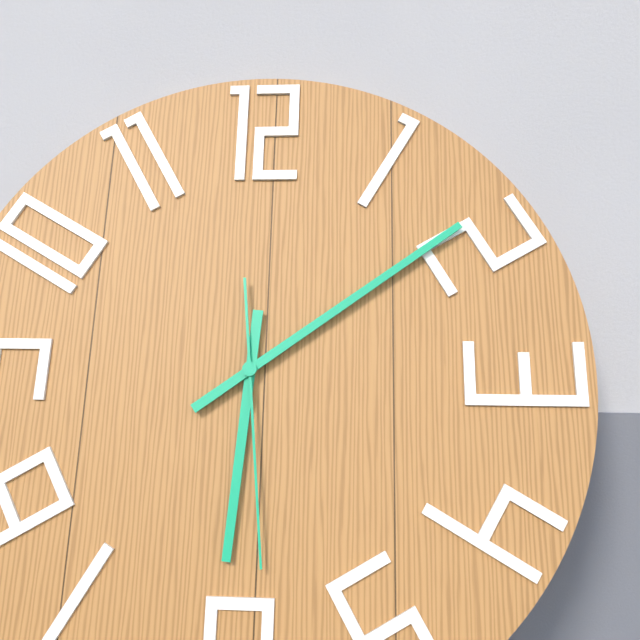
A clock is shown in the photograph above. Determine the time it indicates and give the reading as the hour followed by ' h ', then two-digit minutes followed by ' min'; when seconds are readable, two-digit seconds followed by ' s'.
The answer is 6 h 09 min 29 s
